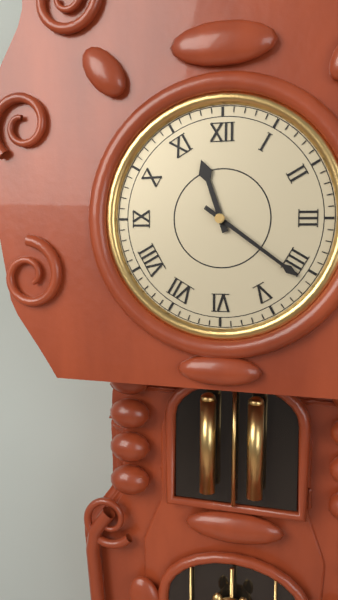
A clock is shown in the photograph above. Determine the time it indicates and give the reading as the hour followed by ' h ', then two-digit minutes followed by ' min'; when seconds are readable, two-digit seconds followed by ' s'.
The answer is 11 h 21 min
